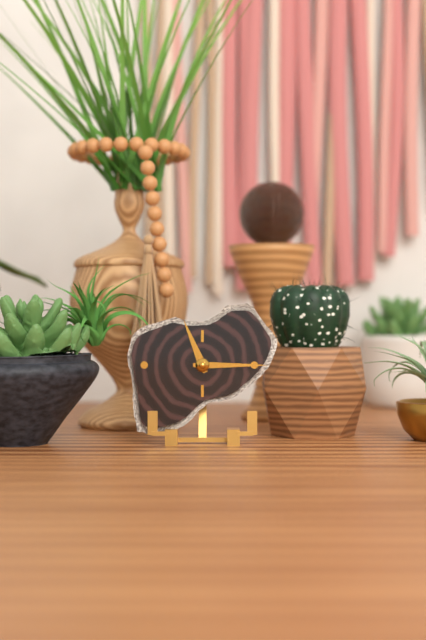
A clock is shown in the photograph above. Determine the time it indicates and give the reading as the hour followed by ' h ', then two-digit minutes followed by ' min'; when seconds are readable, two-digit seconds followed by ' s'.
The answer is 11 h 15 min
